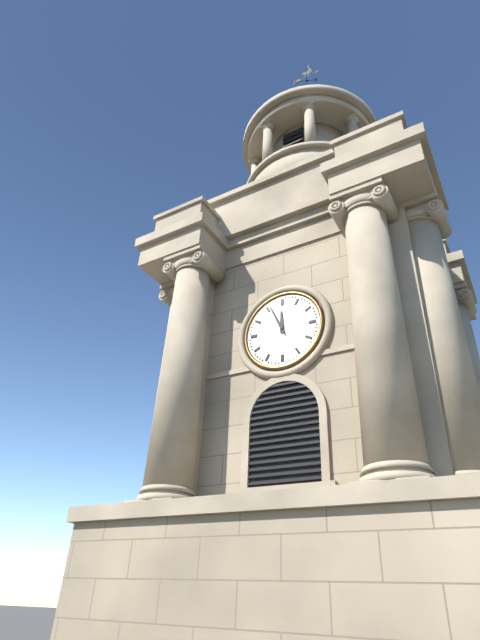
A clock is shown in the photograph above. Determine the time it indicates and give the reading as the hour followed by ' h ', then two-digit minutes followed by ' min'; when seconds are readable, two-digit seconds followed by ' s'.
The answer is 11 h 56 min
